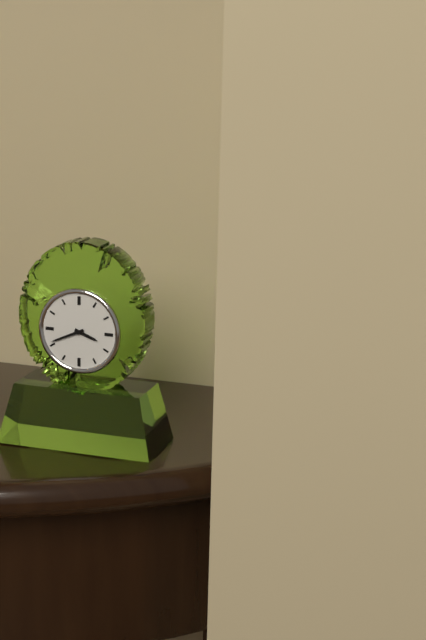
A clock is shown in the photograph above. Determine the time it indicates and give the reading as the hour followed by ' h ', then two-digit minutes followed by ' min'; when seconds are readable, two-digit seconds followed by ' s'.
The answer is 3 h 41 min
